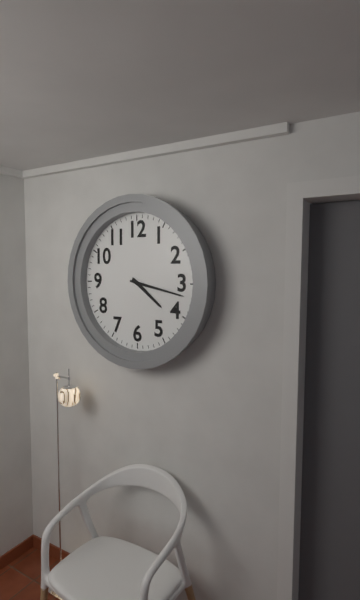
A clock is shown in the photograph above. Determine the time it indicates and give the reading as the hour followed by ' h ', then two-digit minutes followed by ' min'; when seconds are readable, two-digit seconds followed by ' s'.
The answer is 4 h 17 min
